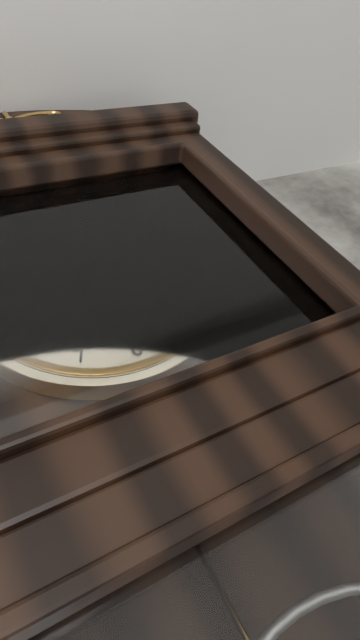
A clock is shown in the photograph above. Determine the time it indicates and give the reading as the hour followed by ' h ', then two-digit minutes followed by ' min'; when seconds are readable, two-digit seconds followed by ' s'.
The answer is 2 h 19 min
